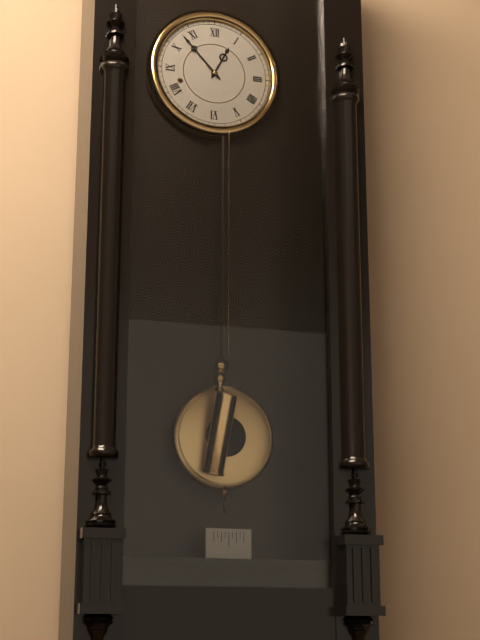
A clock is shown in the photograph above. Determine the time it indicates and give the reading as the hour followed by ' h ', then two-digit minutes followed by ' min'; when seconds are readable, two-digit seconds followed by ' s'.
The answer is 12 h 53 min
